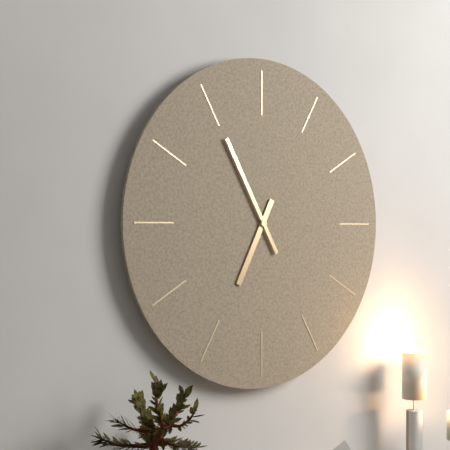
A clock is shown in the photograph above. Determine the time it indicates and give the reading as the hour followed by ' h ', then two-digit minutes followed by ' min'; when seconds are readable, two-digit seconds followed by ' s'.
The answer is 6 h 55 min
